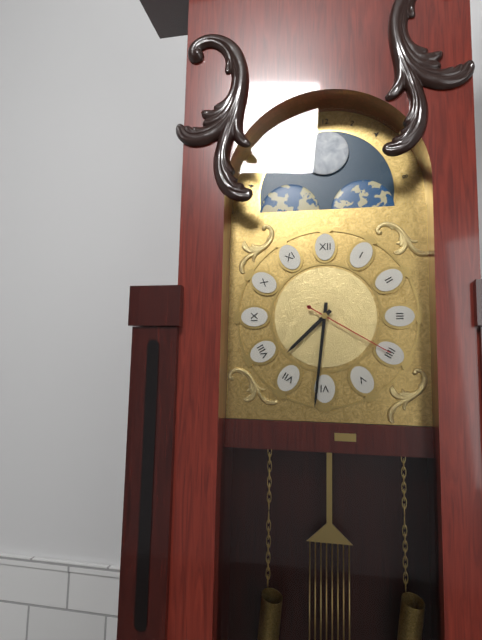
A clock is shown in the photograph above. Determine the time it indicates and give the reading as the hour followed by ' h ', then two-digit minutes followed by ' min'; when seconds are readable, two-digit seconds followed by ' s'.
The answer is 7 h 31 min 20 s
